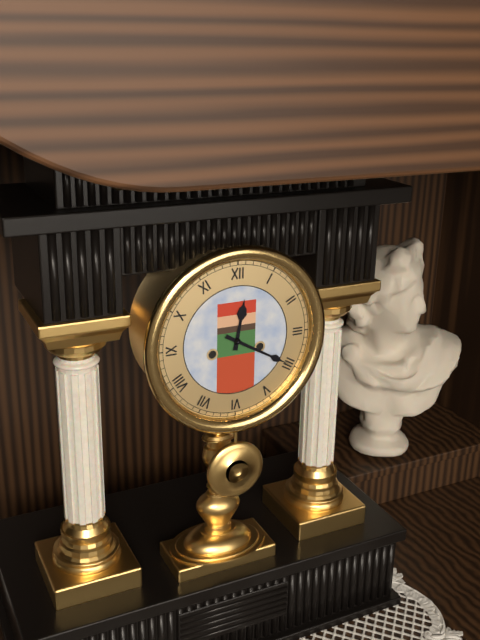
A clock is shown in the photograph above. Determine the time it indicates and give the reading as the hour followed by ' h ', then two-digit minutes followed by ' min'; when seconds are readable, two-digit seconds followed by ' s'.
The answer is 12 h 20 min
